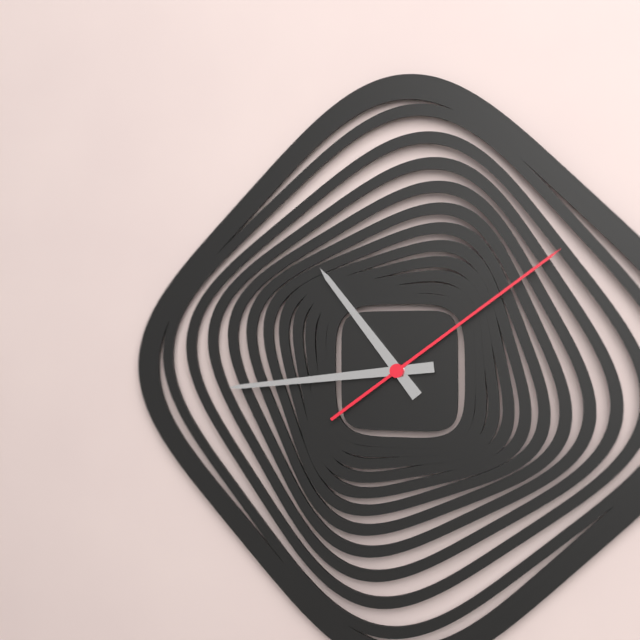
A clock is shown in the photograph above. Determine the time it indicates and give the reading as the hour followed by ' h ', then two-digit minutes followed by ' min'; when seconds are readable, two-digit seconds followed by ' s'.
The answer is 10 h 44 min 09 s
